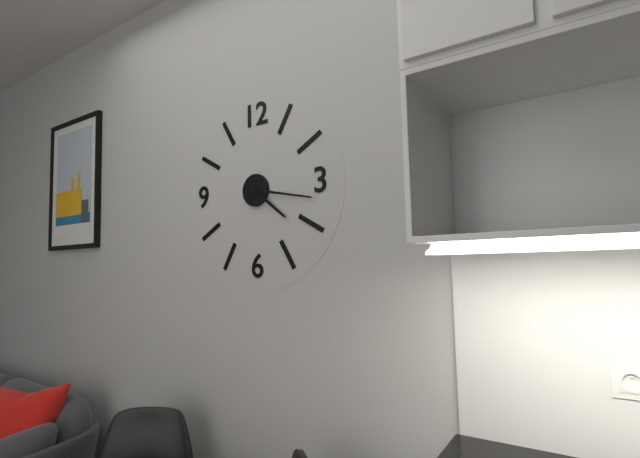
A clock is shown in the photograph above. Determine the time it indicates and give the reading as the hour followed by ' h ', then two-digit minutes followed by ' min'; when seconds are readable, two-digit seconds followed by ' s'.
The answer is 4 h 17 min
